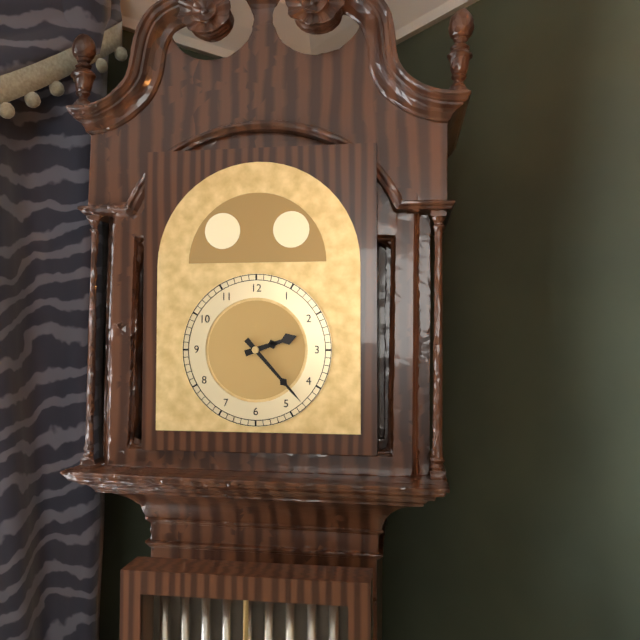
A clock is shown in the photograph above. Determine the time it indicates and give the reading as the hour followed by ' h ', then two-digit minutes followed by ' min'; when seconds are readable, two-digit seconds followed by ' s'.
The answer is 2 h 23 min
